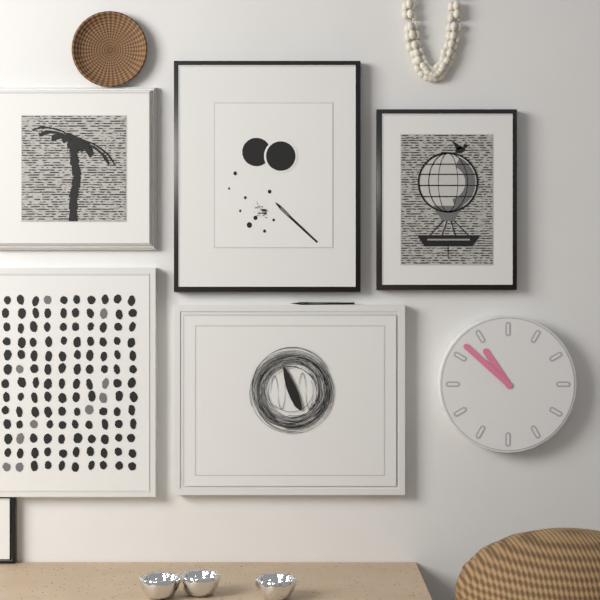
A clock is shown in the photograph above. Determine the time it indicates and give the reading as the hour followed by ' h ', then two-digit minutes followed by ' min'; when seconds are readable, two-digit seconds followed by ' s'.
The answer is 10 h 52 min
